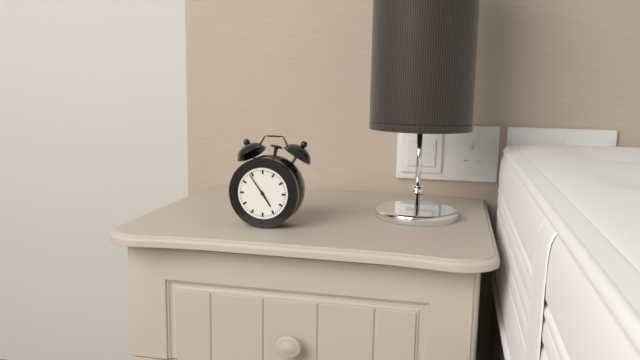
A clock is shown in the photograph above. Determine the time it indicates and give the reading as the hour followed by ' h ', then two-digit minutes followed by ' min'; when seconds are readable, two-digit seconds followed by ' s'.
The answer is 4 h 54 min
